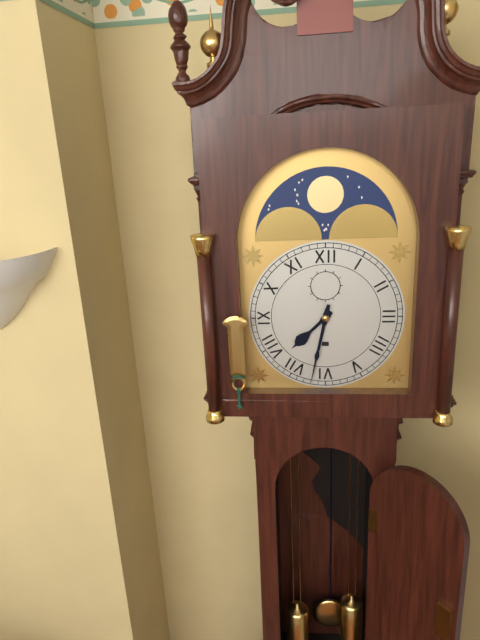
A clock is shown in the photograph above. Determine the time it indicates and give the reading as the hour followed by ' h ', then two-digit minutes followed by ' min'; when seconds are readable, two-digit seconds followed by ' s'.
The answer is 7 h 32 min
